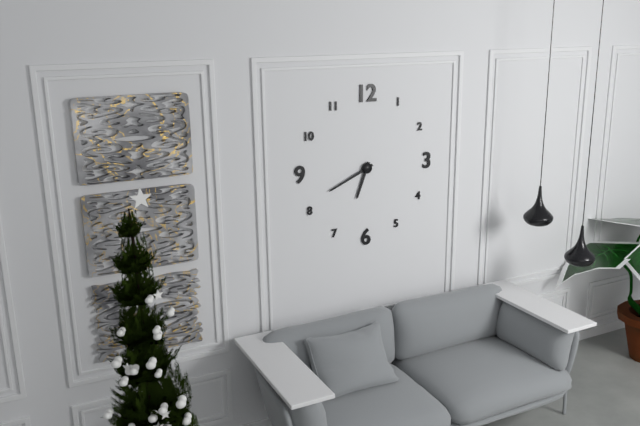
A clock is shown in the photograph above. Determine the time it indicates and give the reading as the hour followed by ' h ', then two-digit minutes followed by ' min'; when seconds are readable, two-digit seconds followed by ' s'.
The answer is 6 h 41 min
